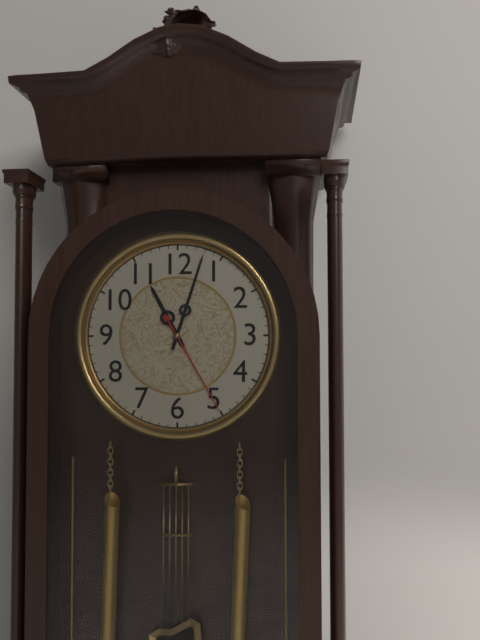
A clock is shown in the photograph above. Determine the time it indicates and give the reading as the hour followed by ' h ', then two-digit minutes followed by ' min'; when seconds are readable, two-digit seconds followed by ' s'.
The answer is 11 h 03 min 25 s
